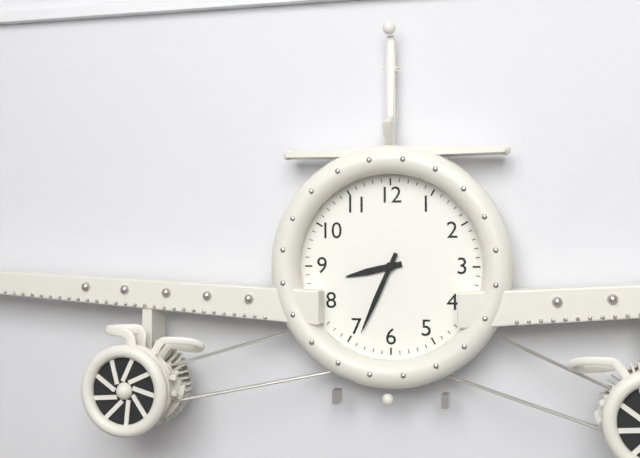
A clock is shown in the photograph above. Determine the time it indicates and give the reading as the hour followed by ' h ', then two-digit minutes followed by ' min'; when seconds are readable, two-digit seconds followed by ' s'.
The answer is 8 h 34 min
